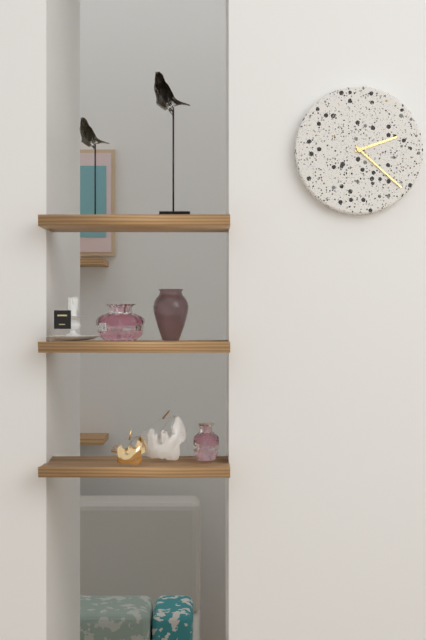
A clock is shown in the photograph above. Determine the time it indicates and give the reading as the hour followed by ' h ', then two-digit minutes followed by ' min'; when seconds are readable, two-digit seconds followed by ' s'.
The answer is 2 h 22 min
